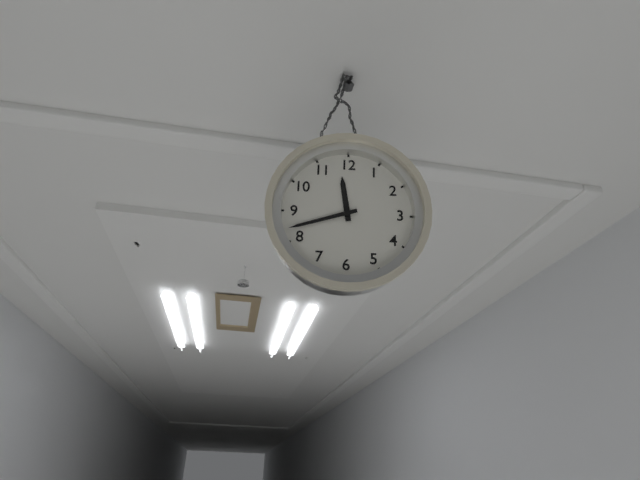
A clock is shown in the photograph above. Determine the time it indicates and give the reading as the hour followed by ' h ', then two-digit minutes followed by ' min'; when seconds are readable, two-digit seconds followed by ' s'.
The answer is 11 h 42 min
